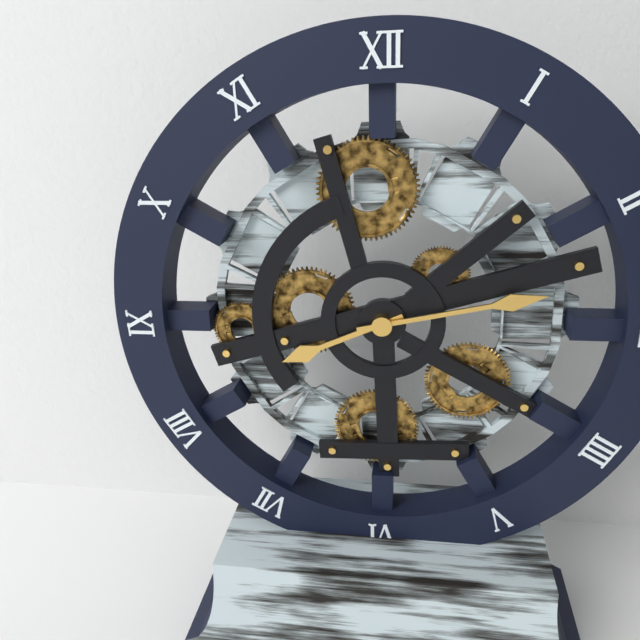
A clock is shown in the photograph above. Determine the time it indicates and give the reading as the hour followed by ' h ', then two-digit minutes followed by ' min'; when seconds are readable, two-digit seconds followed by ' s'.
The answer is 8 h 13 min
